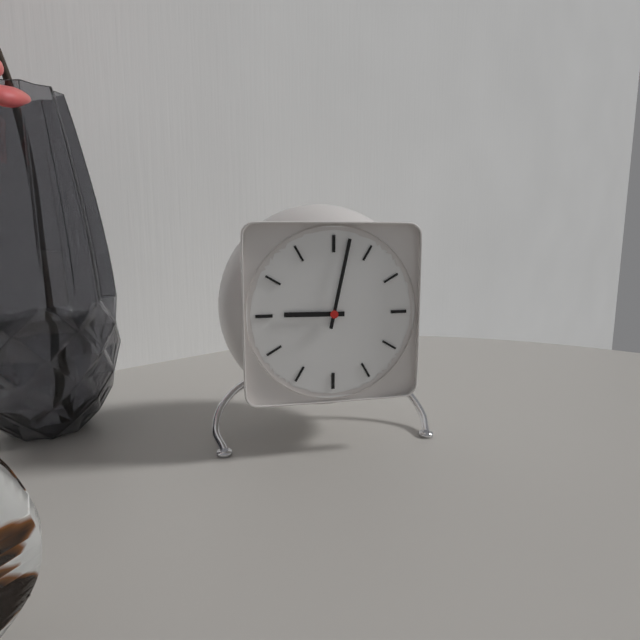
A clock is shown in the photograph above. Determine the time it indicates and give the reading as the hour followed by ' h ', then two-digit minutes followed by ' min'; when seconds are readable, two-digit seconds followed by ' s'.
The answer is 9 h 02 min
